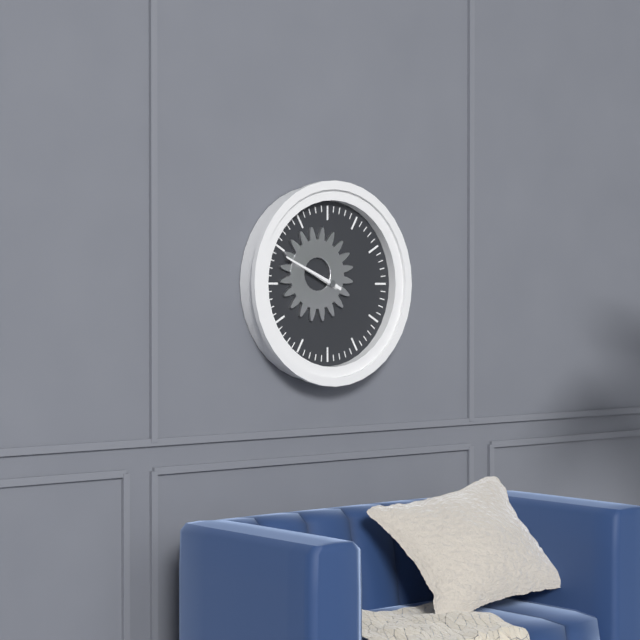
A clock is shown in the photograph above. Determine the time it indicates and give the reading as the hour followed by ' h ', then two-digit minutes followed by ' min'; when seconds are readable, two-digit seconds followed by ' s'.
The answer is 9 h 49 min
